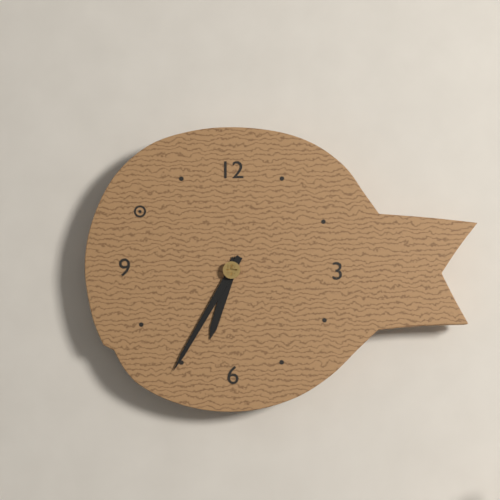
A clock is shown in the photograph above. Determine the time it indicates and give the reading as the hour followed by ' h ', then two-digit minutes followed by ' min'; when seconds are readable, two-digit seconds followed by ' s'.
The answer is 6 h 35 min
